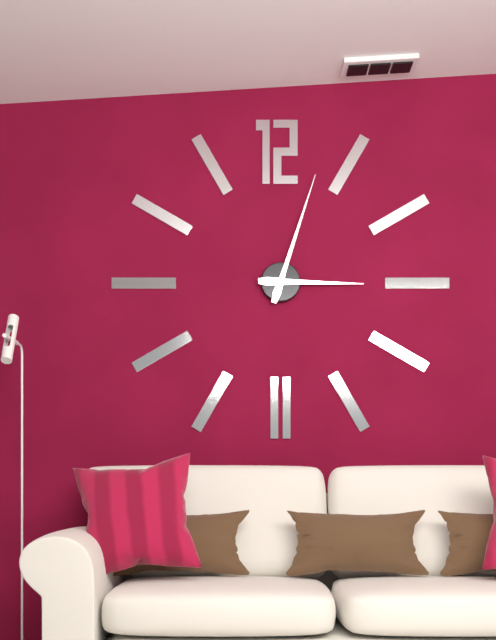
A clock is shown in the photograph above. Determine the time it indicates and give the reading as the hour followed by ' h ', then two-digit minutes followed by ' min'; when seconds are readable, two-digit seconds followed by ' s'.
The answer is 3 h 03 min
